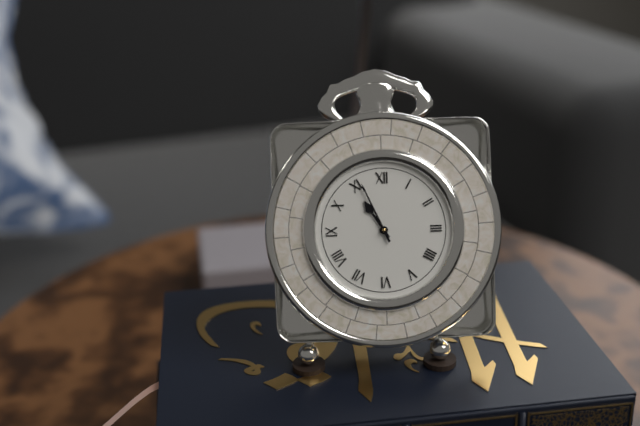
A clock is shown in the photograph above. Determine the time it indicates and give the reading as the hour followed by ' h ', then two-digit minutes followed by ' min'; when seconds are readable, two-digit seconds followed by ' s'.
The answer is 10 h 56 min
